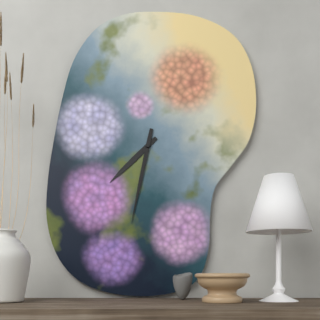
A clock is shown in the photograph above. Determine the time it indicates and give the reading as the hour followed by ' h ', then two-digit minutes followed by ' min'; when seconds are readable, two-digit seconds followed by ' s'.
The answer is 7 h 32 min
